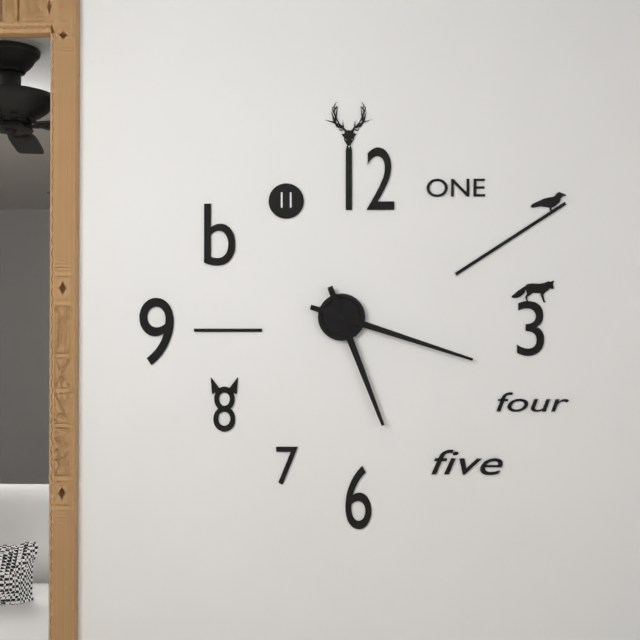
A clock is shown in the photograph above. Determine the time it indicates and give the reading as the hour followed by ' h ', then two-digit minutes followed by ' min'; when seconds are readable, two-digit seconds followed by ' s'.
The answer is 5 h 18 min
